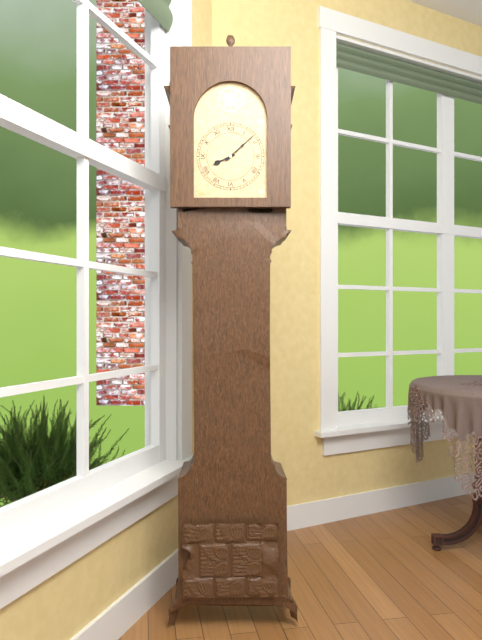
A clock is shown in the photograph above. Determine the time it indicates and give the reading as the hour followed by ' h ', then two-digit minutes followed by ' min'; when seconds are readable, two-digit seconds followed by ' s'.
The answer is 8 h 08 min
